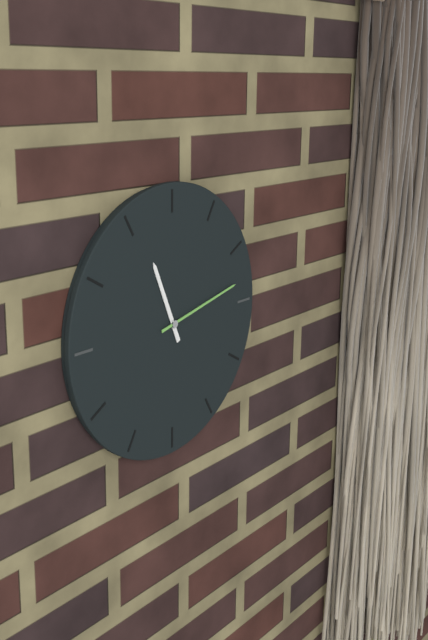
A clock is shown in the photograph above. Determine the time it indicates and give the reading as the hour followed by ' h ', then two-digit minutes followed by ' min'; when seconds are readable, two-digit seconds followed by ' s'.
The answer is 11 h 13 min
